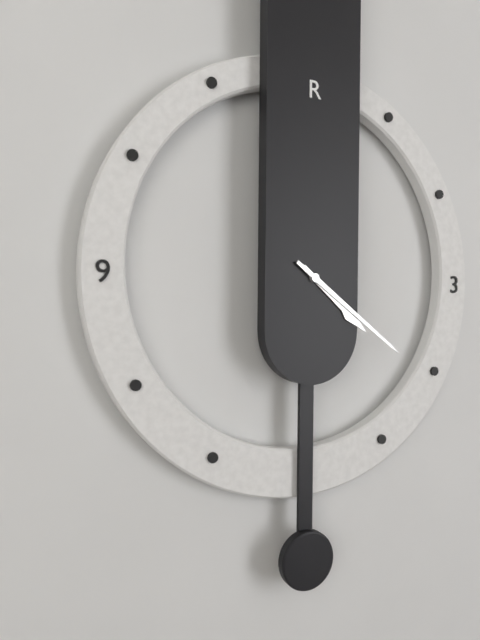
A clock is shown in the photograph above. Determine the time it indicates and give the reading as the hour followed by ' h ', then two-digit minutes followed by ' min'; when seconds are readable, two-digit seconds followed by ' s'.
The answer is 4 h 21 min
